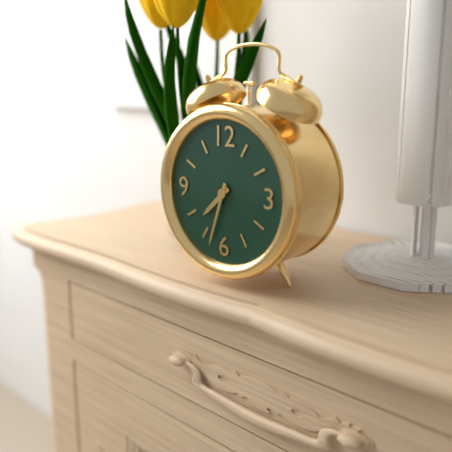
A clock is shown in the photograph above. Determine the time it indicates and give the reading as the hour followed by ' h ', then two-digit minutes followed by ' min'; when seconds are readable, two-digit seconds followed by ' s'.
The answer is 7 h 33 min
